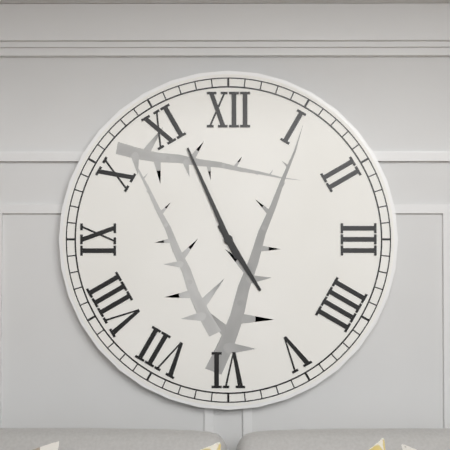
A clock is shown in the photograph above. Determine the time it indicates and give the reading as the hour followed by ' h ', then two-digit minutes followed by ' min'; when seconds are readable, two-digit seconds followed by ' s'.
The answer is 4 h 56 min
